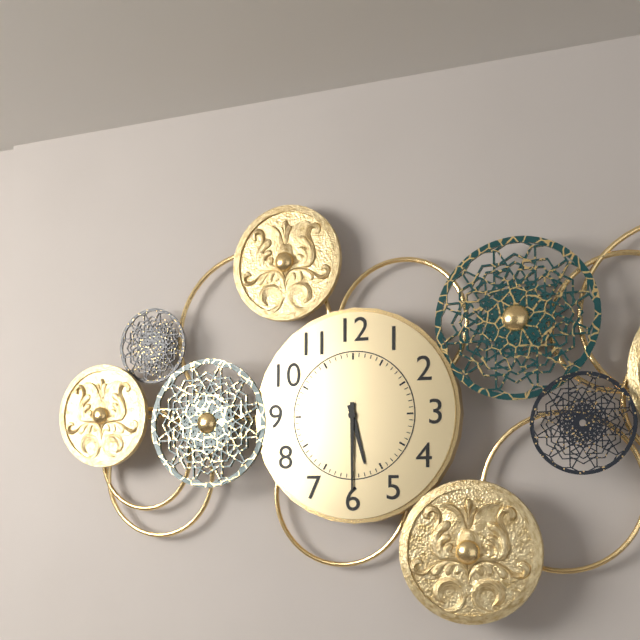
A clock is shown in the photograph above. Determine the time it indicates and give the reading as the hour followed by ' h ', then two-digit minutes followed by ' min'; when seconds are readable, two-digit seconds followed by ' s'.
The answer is 5 h 30 min
